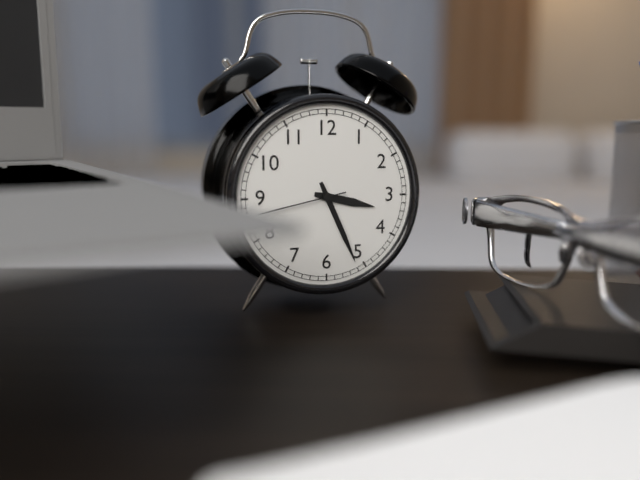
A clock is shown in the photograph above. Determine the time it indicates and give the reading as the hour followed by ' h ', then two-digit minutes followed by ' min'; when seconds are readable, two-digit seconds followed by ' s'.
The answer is 3 h 26 min 43 s
